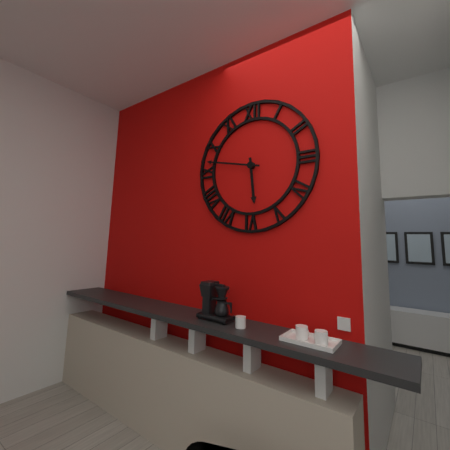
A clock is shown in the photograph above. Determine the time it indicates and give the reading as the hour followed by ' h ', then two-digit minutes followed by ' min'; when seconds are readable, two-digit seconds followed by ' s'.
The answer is 5 h 47 min
